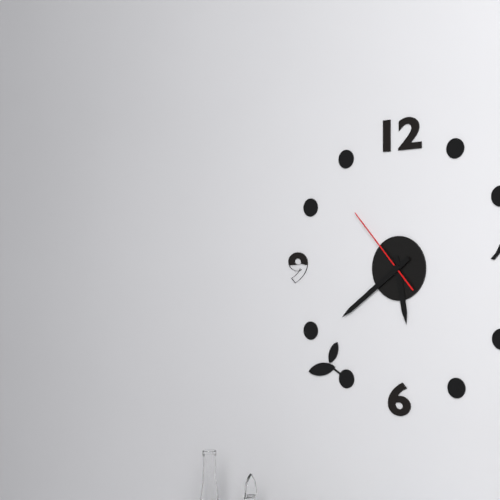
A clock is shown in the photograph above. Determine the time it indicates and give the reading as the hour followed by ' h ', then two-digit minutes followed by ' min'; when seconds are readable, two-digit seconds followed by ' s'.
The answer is 5 h 39 min 53 s
